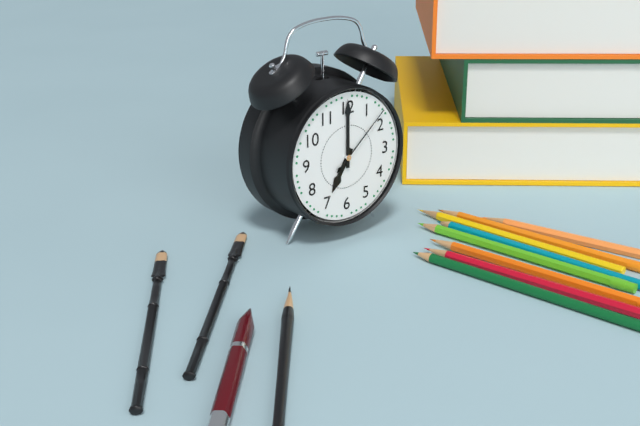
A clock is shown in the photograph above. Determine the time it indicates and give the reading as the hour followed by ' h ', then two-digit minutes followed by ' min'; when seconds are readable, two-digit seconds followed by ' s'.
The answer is 7 h 00 min 08 s
